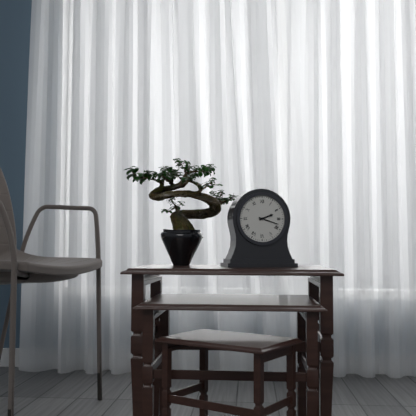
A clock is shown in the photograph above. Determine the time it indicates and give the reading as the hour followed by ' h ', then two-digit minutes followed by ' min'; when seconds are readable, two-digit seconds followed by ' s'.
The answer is 2 h 18 min
